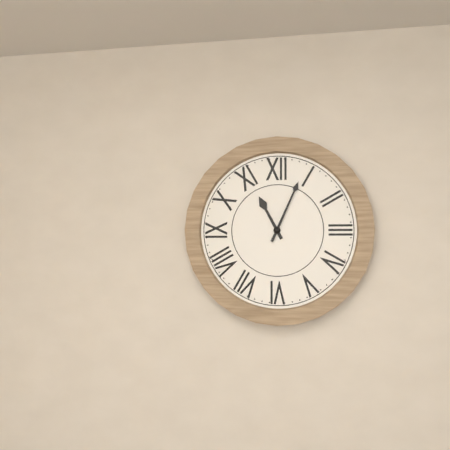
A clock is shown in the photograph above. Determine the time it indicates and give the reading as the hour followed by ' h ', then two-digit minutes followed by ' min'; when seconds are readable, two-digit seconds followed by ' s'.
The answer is 11 h 04 min
